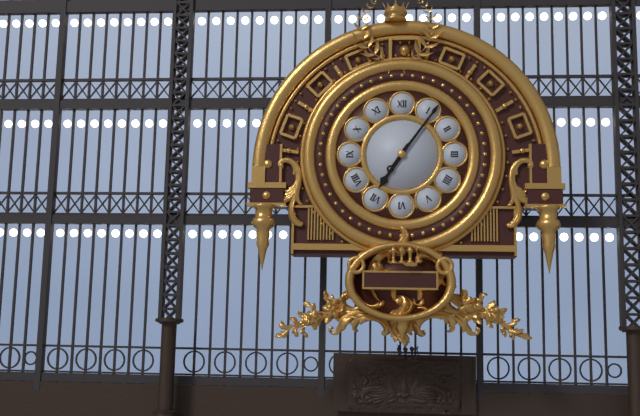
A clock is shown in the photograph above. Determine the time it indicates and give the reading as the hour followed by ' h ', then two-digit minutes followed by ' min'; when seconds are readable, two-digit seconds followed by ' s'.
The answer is 7 h 06 min
